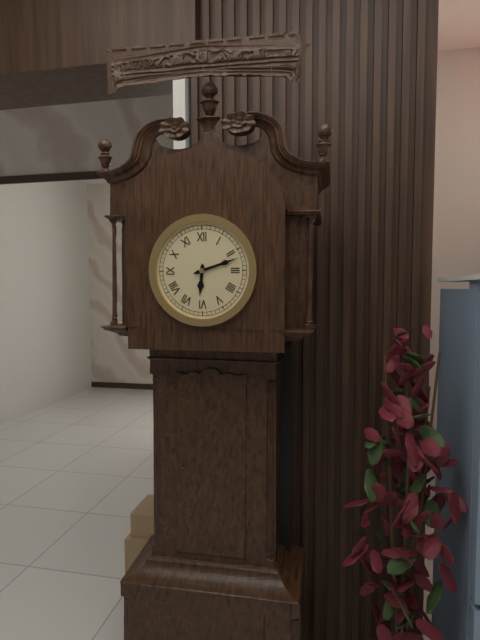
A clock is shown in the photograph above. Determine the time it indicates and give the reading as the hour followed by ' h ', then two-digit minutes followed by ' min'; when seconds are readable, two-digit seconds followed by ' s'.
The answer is 6 h 12 min
